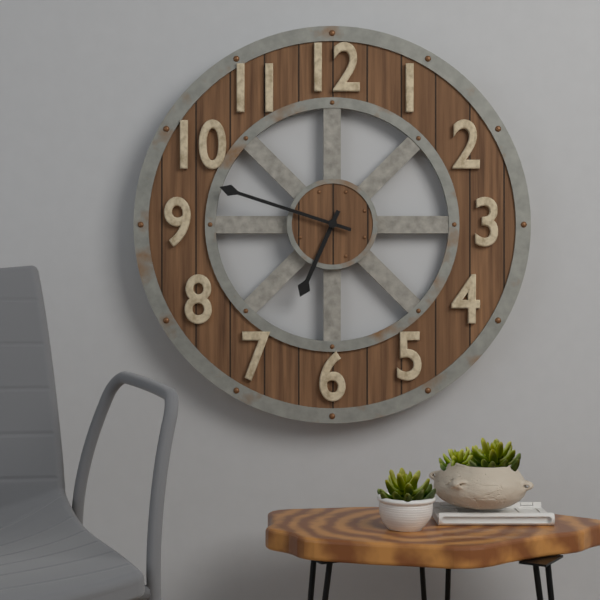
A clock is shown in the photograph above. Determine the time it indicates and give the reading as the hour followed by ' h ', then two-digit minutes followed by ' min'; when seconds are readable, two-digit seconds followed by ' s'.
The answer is 6 h 48 min
